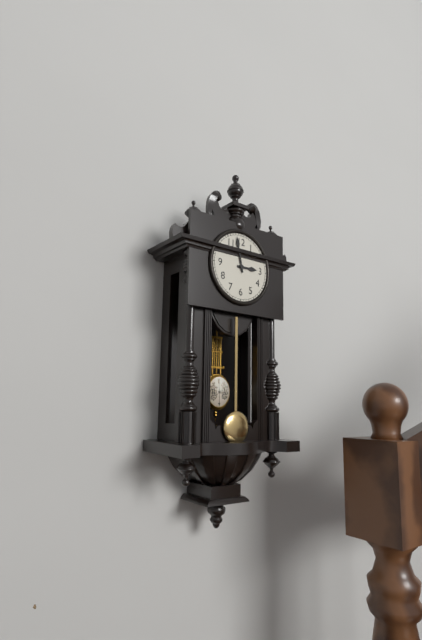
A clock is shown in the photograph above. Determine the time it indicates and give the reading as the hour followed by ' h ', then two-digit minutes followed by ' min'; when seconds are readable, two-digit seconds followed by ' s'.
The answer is 2 h 58 min
